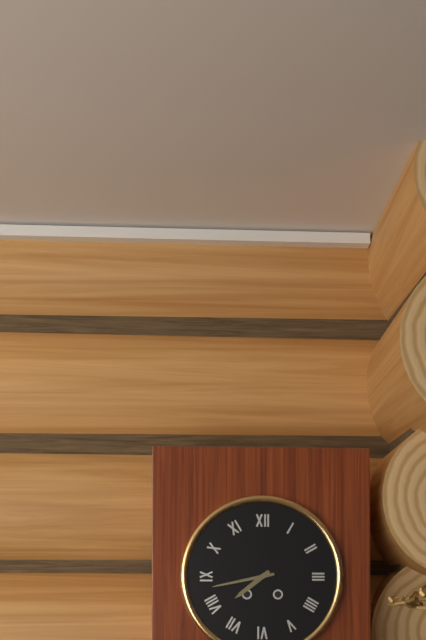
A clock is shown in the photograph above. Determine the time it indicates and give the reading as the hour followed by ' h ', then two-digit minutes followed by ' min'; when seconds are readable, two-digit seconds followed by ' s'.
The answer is 7 h 43 min
